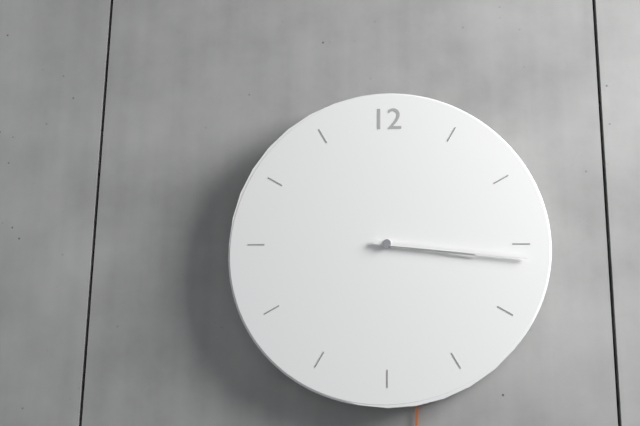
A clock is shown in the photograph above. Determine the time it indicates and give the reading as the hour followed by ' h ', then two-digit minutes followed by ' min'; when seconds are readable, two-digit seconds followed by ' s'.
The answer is 3 h 16 min
